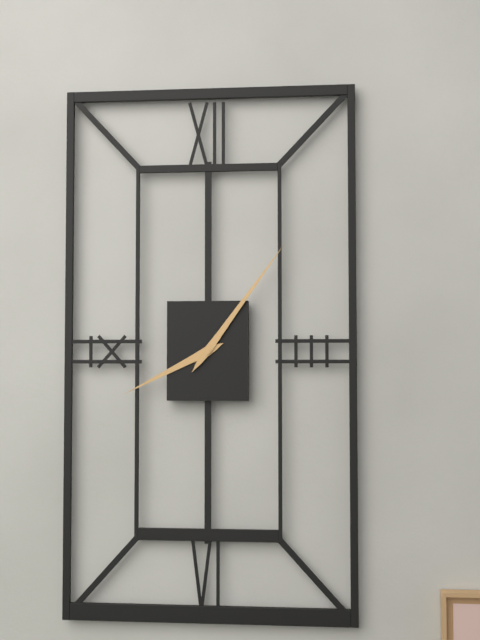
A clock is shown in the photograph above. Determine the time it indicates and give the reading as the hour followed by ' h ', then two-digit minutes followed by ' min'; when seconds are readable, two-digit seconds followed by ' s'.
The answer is 8 h 06 min
